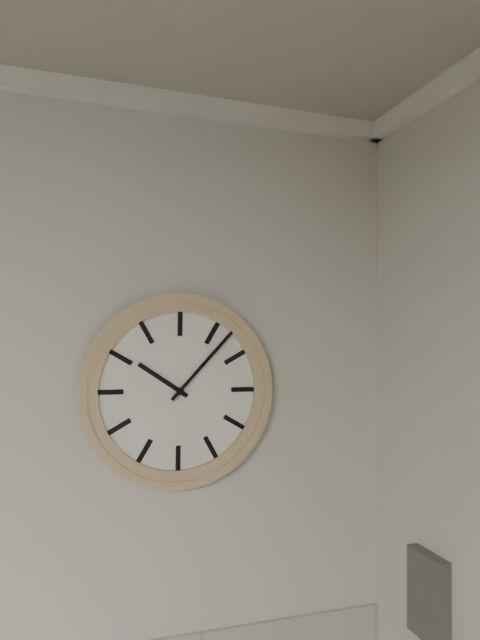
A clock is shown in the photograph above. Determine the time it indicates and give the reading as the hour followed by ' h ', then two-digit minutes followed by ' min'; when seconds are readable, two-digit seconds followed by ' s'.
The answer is 10 h 07 min
